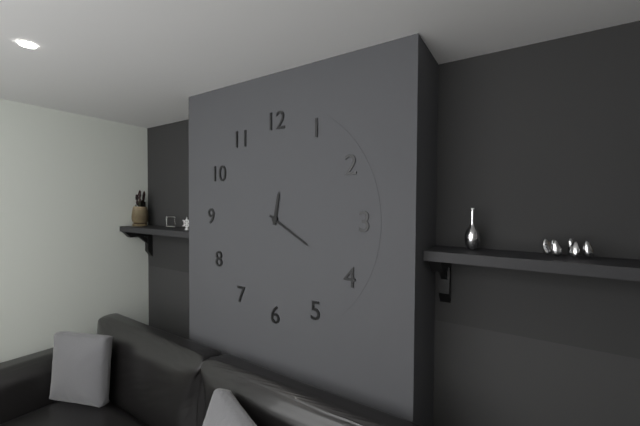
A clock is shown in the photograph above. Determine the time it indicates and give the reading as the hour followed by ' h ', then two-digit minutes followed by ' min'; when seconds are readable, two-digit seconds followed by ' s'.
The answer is 12 h 20 min
